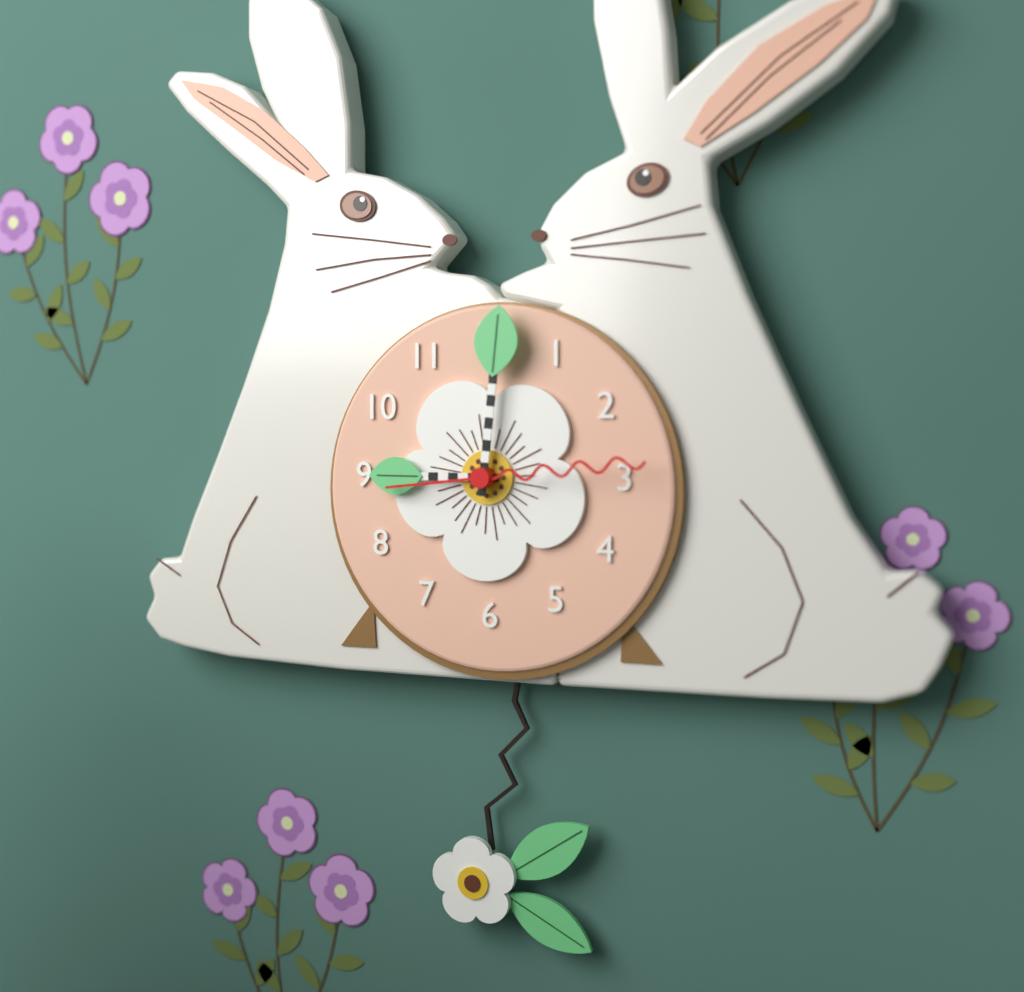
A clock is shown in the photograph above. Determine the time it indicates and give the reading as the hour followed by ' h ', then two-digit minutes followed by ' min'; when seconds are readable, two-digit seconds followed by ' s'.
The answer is 9 h 01 min 14 s
